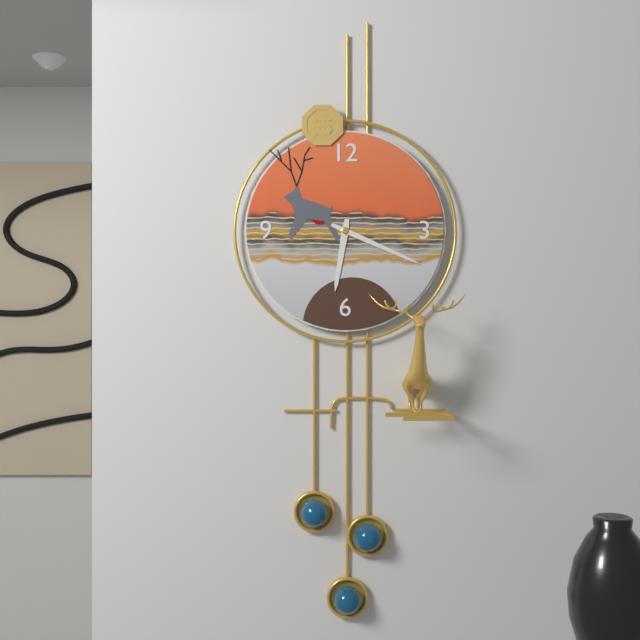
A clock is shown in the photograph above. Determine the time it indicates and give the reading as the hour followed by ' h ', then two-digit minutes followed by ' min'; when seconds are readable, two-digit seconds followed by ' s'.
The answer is 6 h 19 min
